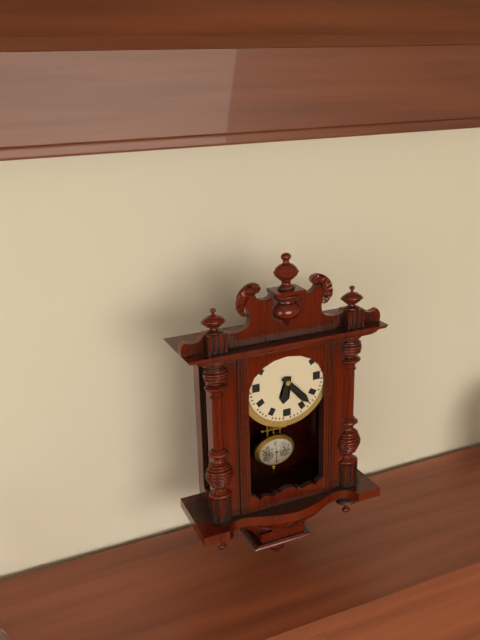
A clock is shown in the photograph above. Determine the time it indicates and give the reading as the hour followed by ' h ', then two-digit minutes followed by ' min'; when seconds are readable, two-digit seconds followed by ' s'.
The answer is 6 h 23 min
